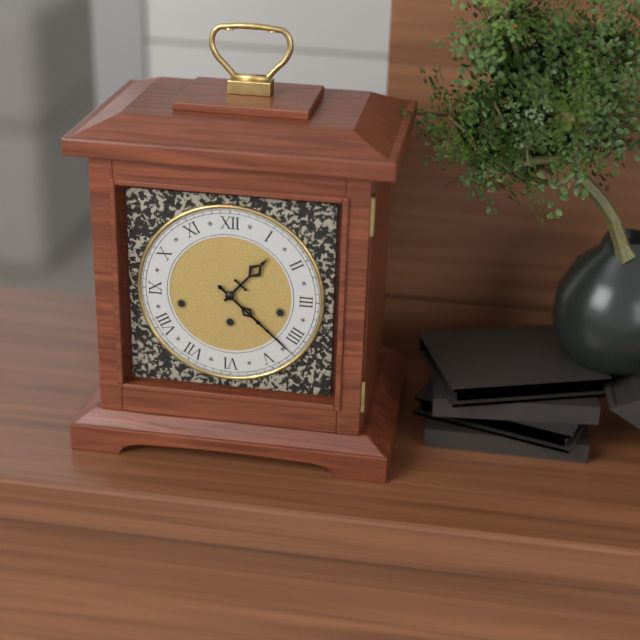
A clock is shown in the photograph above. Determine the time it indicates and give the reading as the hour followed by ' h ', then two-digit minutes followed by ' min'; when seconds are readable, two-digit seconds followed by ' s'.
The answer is 1 h 22 min
